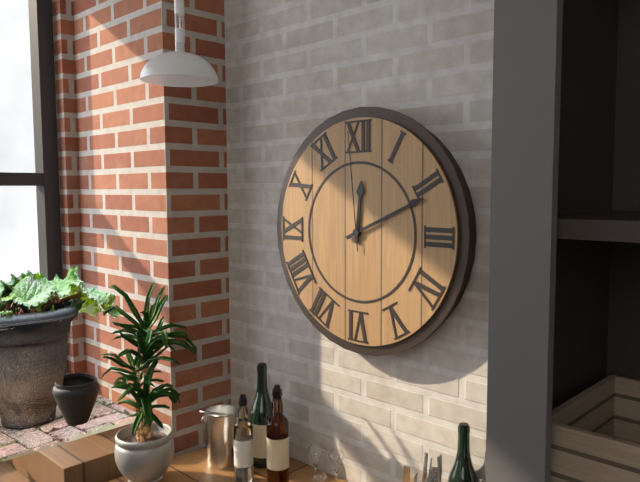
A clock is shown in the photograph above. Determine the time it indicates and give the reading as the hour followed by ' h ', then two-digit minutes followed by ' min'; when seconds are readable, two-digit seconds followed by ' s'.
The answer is 12 h 11 min 59 s
